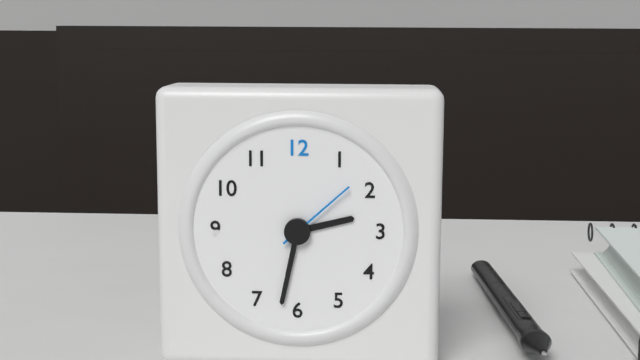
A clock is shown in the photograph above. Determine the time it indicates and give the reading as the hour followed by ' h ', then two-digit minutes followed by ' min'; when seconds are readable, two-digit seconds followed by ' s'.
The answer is 2 h 32 min 08 s
